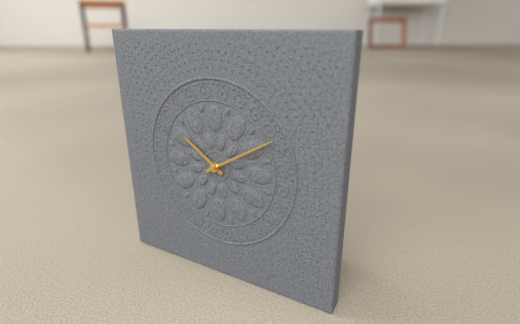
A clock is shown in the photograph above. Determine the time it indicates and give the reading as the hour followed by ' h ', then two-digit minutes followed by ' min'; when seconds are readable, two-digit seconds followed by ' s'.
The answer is 10 h 10 min
